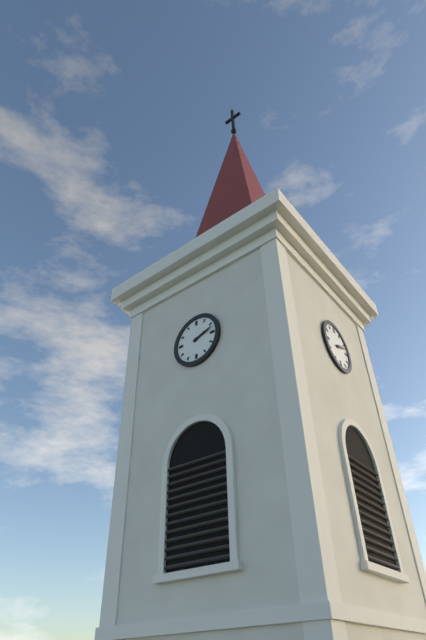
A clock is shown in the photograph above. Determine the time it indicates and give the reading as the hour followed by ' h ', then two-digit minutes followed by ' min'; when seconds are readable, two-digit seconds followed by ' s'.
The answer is 2 h 12 min
